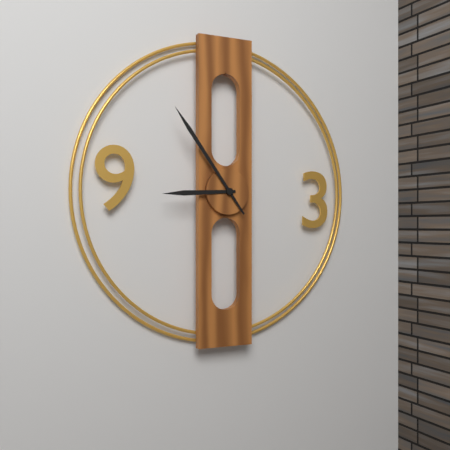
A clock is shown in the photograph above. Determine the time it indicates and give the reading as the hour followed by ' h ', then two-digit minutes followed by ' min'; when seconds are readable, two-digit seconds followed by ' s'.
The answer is 8 h 54 min
